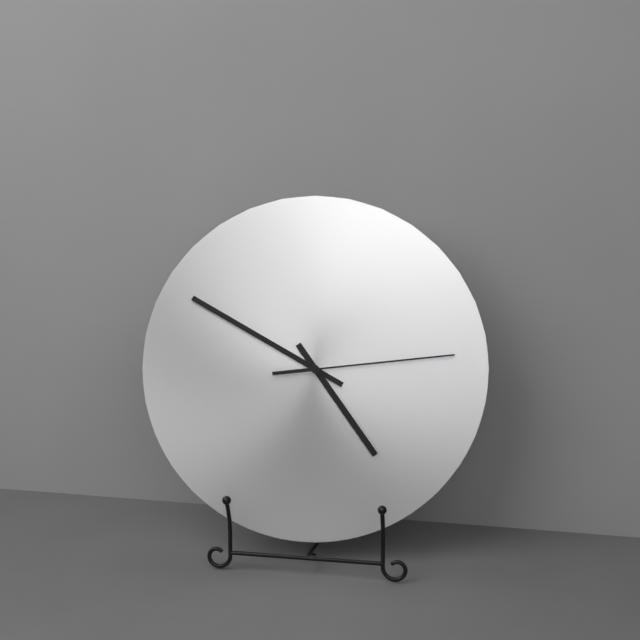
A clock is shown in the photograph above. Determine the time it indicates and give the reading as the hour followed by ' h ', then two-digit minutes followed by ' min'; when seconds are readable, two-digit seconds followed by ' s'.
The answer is 4 h 50 min 14 s
